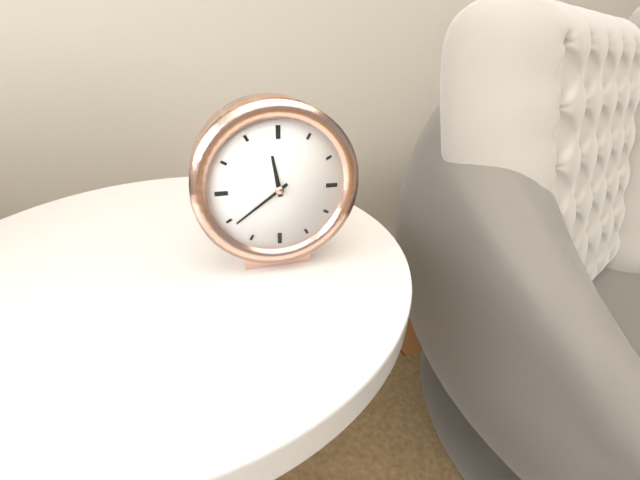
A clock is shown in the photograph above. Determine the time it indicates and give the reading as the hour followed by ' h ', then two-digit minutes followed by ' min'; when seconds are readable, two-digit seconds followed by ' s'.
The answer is 11 h 39 min
